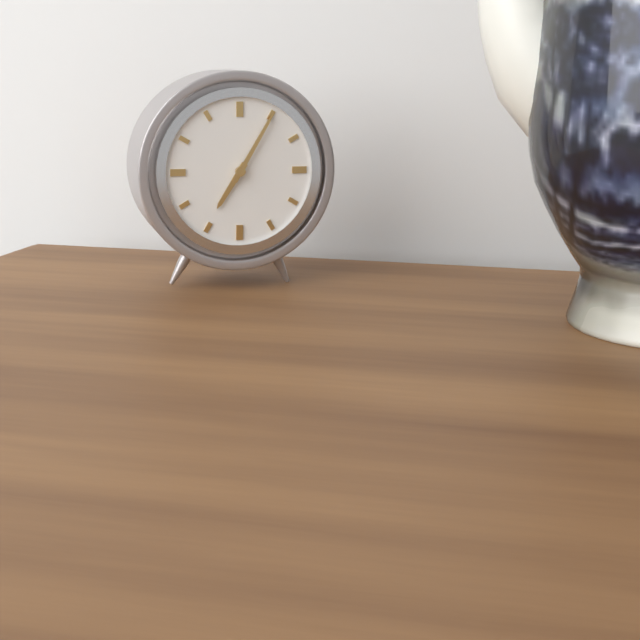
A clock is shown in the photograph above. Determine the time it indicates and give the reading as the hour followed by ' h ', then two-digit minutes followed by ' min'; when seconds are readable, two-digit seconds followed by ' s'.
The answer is 7 h 05 min
